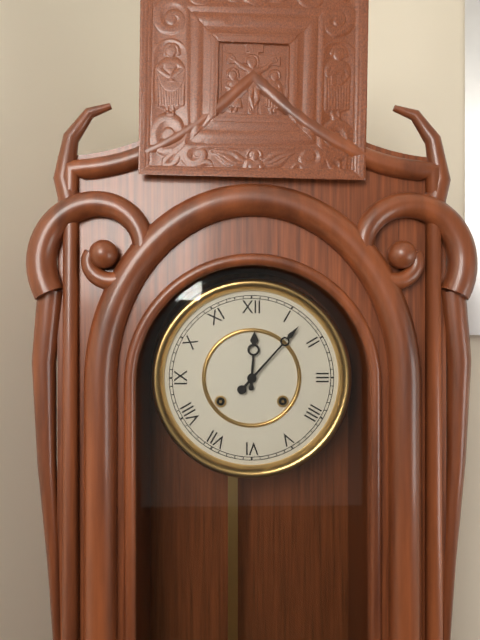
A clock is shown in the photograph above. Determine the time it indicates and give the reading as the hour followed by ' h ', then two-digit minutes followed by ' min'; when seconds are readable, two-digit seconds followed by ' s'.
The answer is 12 h 07 min
